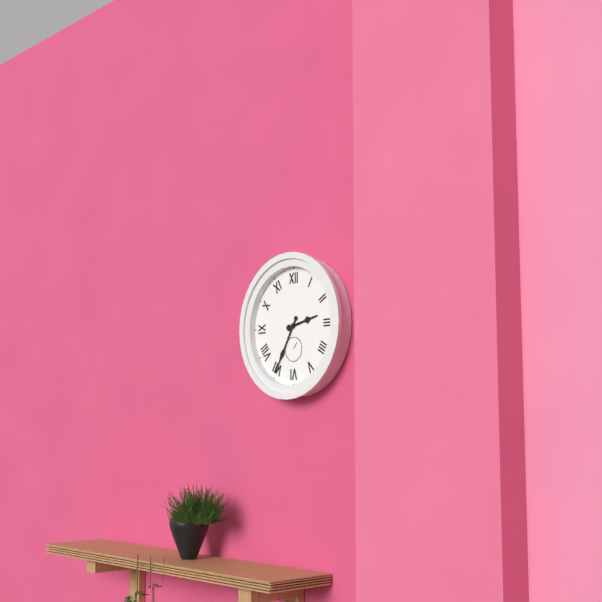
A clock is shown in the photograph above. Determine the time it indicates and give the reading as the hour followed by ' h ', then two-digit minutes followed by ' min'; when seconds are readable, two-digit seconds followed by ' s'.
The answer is 2 h 35 min
